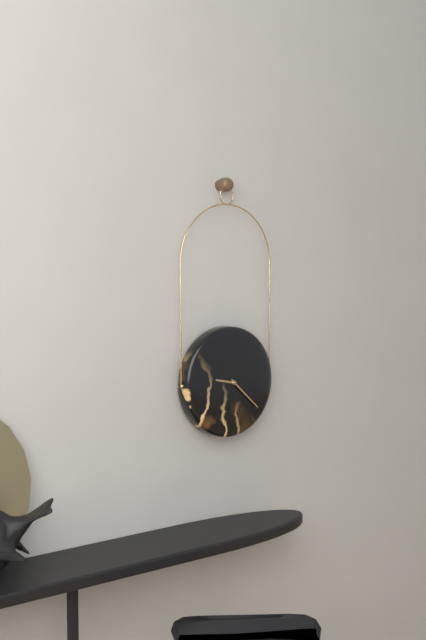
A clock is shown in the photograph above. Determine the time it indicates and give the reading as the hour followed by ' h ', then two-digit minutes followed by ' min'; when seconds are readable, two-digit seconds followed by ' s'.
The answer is 9 h 22 min
